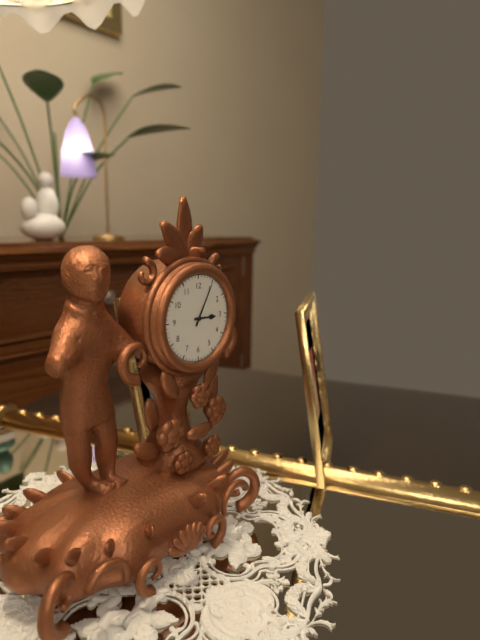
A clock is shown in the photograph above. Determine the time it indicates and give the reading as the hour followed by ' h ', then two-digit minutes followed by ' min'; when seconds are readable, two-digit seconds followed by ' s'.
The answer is 3 h 05 min
